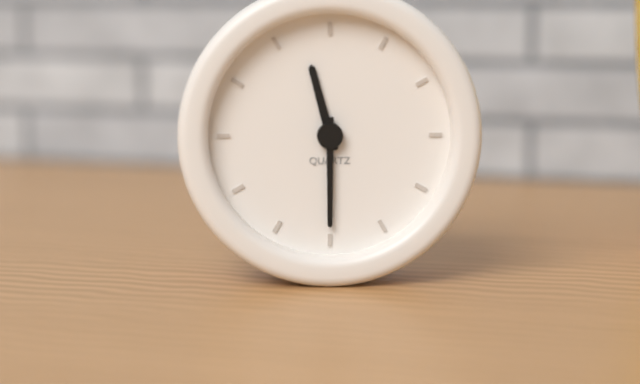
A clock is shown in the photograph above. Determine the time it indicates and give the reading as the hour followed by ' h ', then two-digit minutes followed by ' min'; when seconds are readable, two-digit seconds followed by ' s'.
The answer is 11 h 30 min
